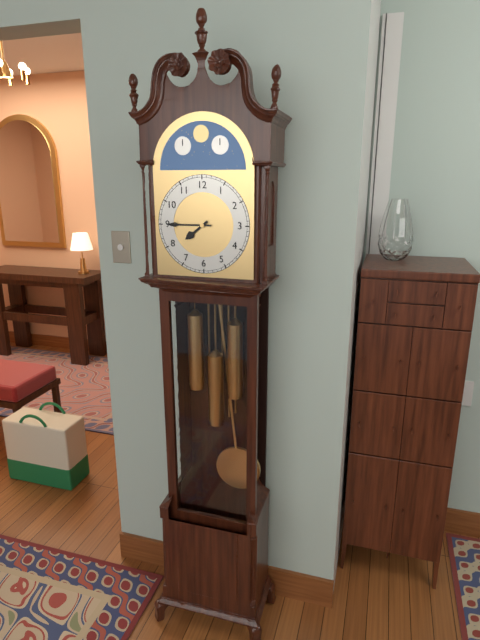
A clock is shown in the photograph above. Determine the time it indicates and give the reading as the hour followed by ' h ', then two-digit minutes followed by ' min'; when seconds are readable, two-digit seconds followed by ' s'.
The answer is 7 h 45 min
